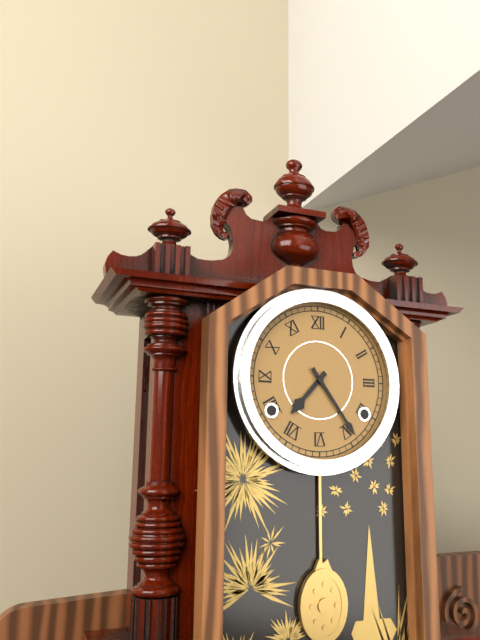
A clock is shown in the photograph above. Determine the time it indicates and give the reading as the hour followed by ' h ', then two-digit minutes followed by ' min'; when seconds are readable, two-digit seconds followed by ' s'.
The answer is 7 h 24 min
